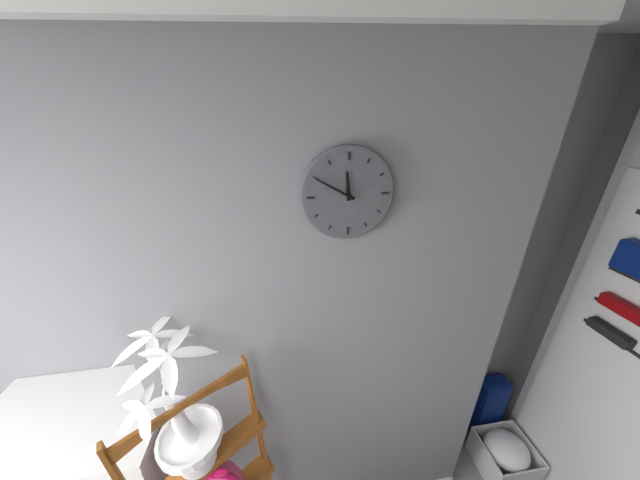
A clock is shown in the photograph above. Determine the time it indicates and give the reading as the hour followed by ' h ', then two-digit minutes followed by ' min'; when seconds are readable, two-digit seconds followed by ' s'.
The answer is 11 h 50 min
